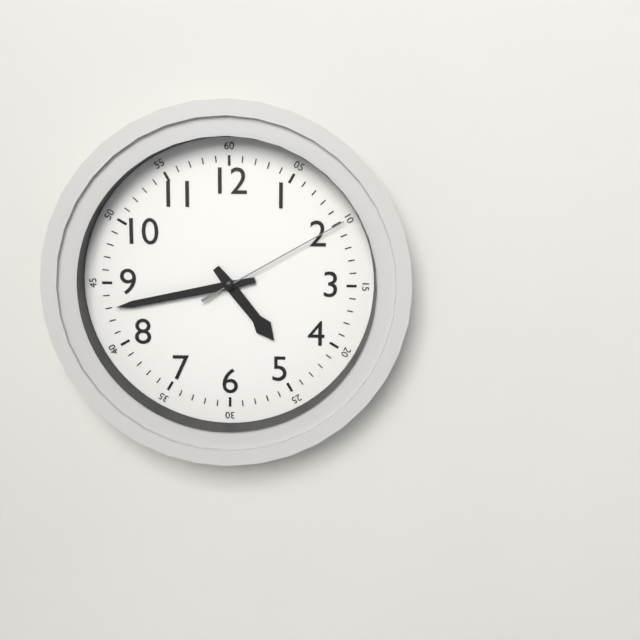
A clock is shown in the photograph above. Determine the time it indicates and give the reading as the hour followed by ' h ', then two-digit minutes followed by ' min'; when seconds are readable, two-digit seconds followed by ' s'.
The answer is 4 h 43 min 10 s
